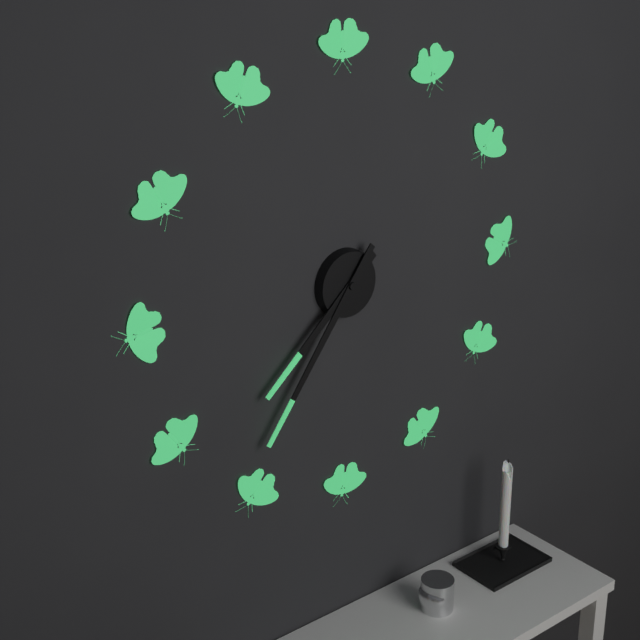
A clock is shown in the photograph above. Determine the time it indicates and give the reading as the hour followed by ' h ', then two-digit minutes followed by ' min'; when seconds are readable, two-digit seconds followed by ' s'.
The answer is 7 h 36 min
